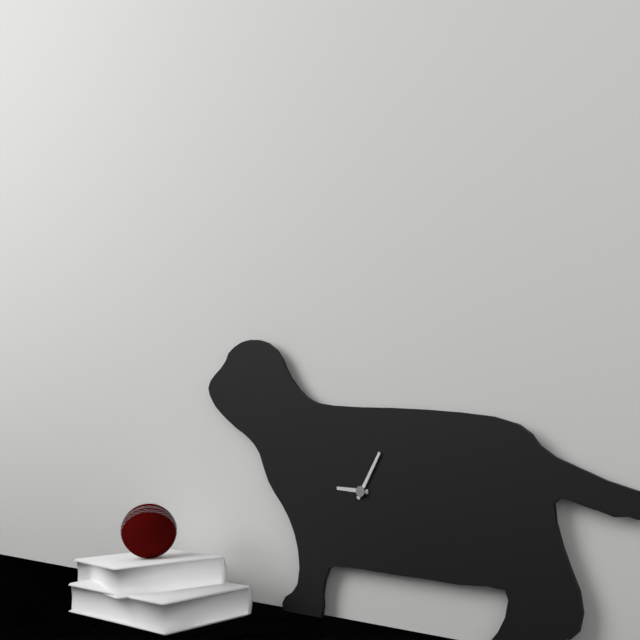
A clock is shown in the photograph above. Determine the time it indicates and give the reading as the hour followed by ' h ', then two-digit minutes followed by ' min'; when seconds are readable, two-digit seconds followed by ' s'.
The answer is 9 h 05 min
